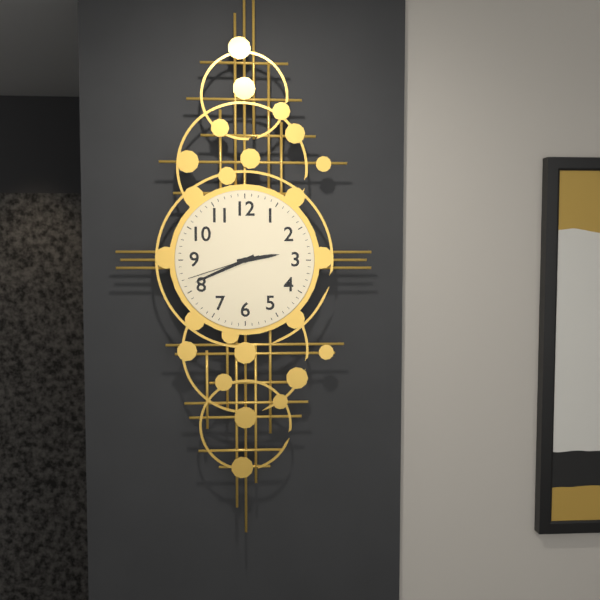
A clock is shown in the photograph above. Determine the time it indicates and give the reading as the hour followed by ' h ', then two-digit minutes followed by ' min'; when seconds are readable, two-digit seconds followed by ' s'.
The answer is 2 h 41 min 42 s
